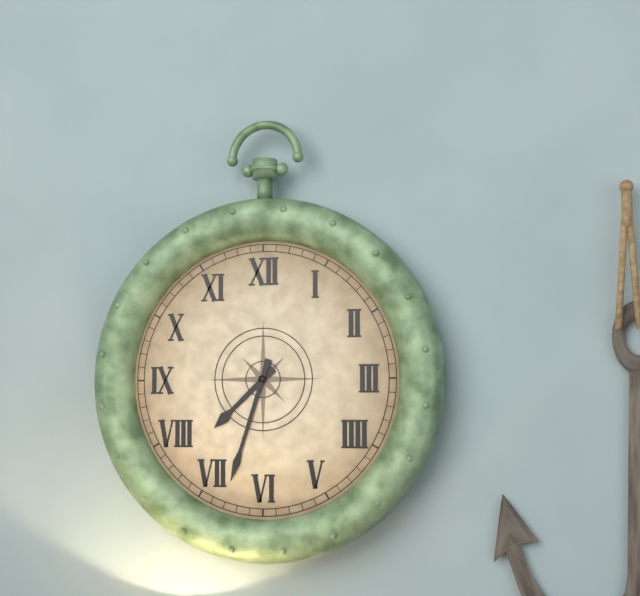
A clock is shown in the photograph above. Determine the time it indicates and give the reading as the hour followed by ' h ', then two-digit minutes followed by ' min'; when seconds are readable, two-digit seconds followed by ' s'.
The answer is 7 h 33 min
